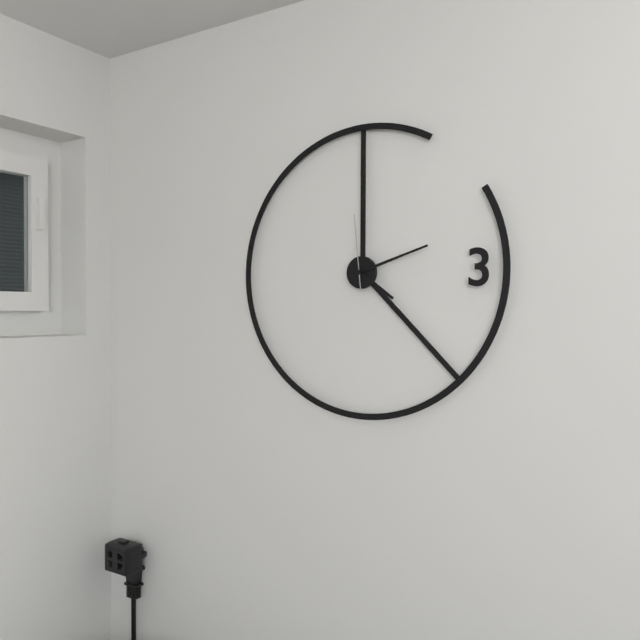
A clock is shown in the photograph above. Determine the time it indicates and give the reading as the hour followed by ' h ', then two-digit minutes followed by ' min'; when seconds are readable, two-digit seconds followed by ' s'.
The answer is 4 h 12 min 59 s
